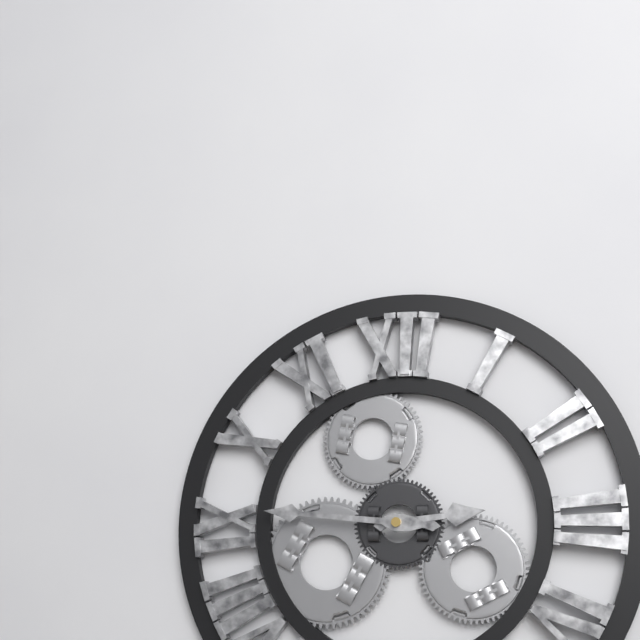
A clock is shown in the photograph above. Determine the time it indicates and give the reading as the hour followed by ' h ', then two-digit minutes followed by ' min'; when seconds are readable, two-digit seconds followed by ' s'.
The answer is 2 h 46 min
